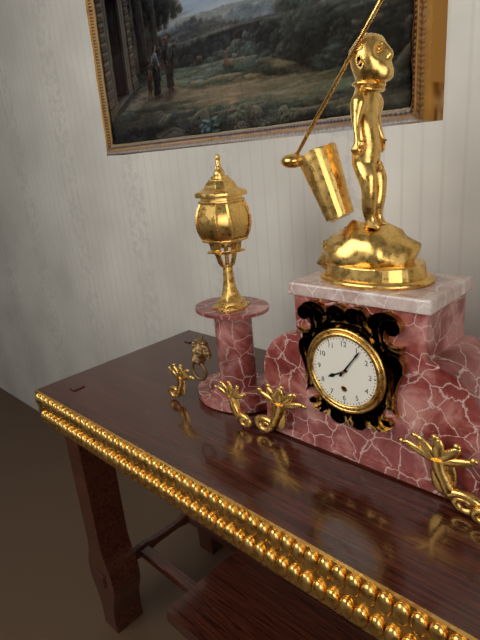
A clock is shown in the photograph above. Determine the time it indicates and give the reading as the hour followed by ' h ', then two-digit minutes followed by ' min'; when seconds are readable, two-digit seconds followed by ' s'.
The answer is 8 h 06 min
